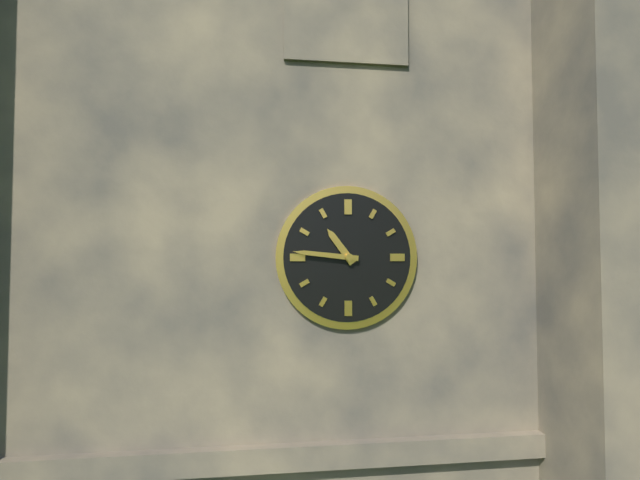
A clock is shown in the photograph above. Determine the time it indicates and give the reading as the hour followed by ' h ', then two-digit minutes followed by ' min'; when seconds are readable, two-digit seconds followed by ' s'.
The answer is 10 h 46 min
